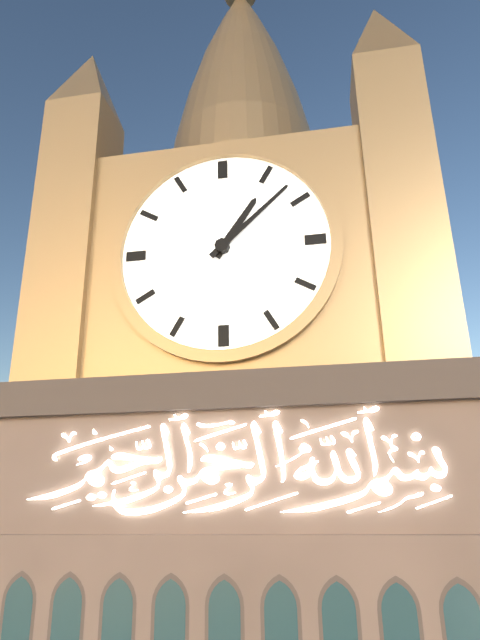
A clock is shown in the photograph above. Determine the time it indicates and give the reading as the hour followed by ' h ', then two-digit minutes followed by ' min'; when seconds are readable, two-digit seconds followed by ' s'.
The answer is 1 h 08 min
